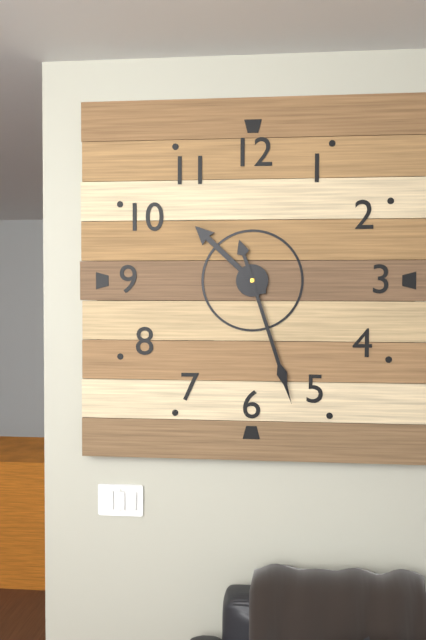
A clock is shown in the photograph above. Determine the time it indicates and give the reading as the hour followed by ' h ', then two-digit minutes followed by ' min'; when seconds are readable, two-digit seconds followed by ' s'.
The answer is 10 h 27 min
